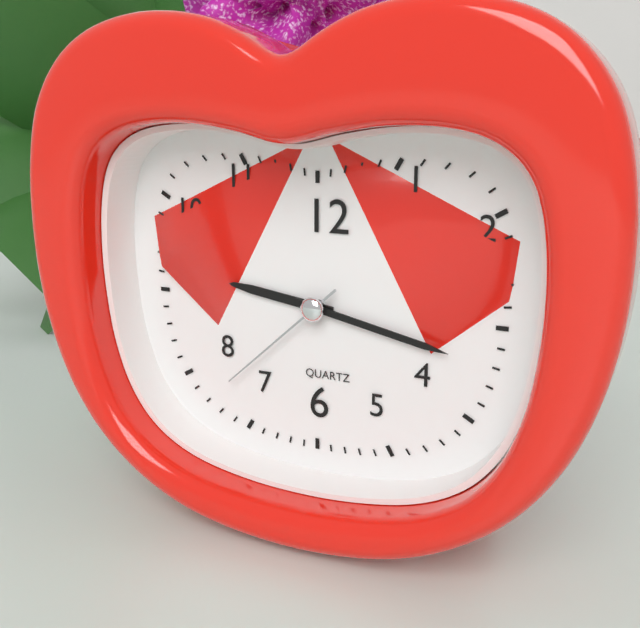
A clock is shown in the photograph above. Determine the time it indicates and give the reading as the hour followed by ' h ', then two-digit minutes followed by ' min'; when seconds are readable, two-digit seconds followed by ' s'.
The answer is 9 h 17 min 38 s
